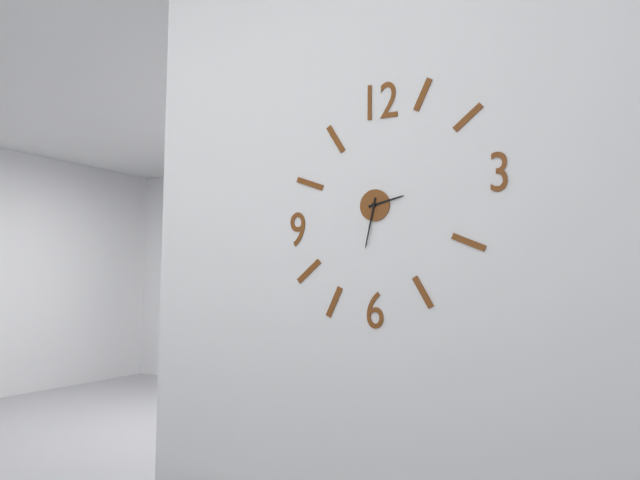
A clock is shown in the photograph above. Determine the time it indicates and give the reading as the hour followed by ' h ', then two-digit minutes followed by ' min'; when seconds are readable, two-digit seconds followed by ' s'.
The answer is 2 h 32 min
